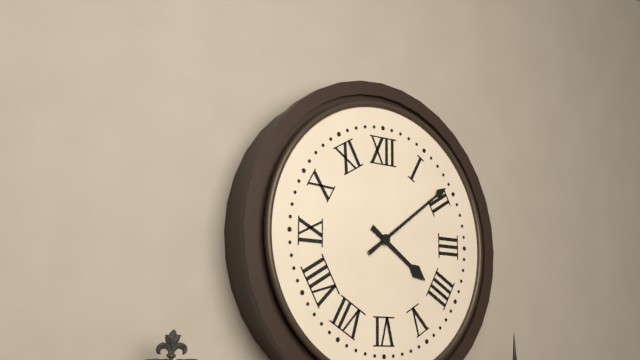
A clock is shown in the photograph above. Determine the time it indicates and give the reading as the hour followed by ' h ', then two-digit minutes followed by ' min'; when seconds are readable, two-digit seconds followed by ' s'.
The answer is 4 h 09 min
